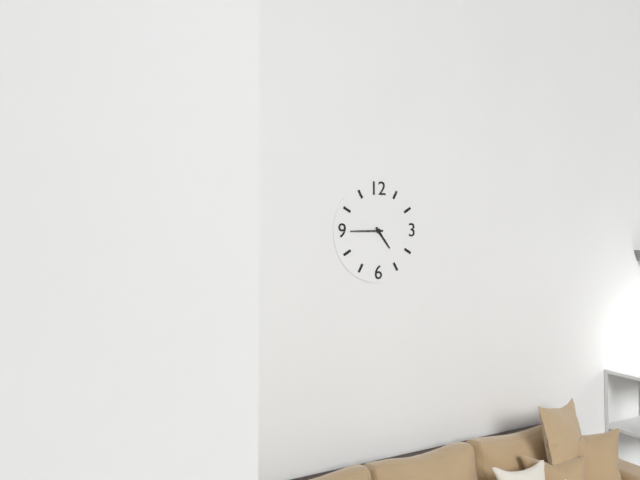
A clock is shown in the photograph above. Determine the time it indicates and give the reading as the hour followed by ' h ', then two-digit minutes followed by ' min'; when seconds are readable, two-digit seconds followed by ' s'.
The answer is 4 h 45 min
